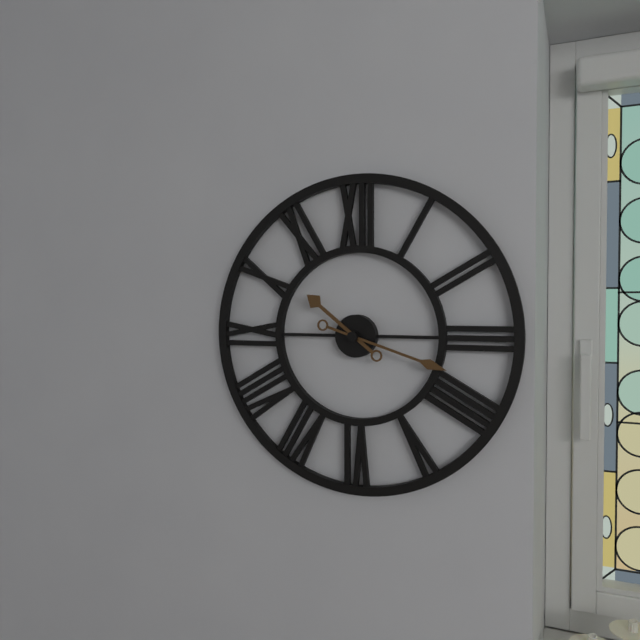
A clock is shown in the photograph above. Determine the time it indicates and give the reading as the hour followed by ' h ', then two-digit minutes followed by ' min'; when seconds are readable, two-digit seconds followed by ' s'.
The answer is 10 h 18 min
